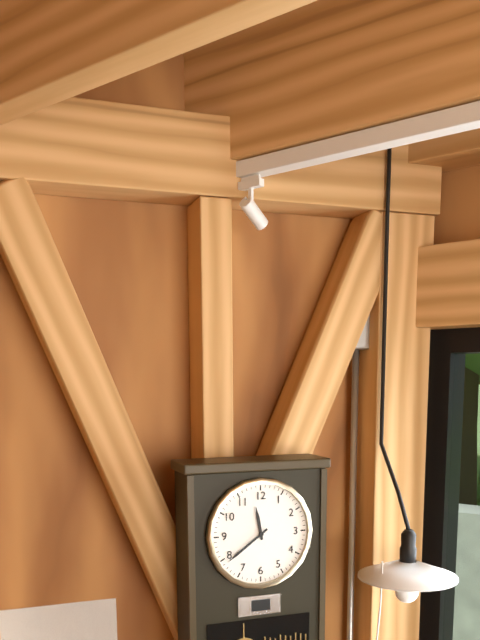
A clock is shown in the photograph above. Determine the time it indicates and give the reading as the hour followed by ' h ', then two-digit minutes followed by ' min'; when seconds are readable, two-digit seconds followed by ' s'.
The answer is 11 h 39 min
